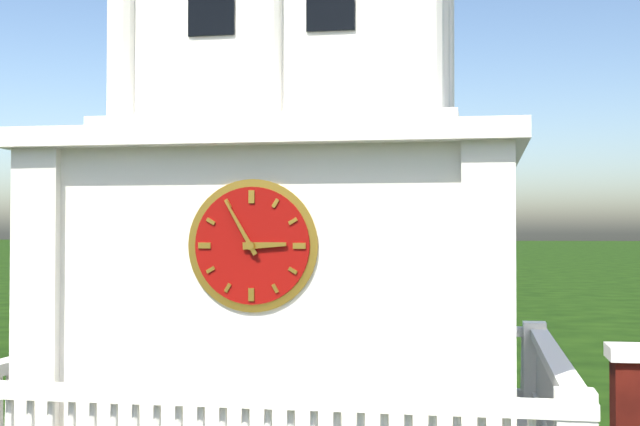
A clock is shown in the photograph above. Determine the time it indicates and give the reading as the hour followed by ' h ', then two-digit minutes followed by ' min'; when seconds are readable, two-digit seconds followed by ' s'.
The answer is 2 h 55 min
